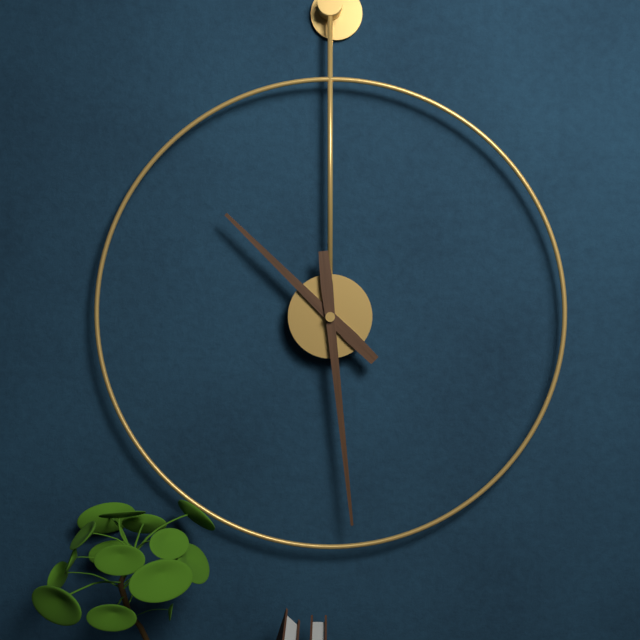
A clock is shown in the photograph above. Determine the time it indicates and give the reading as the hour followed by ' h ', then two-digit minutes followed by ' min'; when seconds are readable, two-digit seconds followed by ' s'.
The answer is 10 h 29 min
